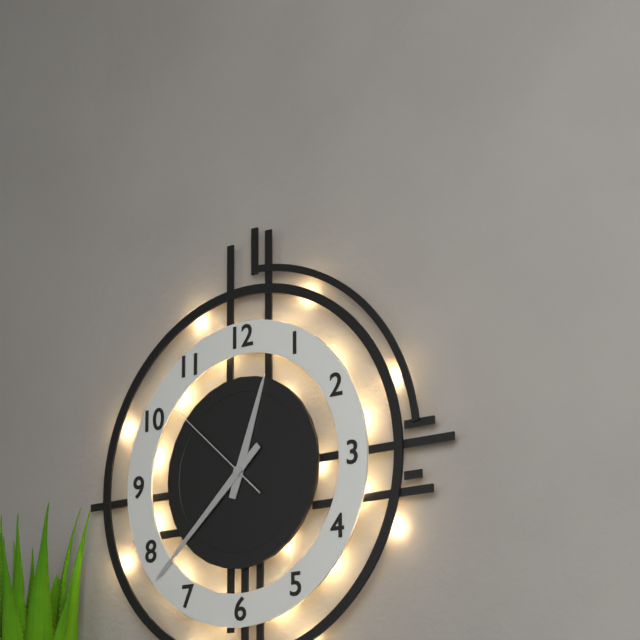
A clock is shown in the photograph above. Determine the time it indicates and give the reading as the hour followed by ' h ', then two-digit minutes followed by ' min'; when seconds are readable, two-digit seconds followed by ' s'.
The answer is 12 h 38 min 52 s
